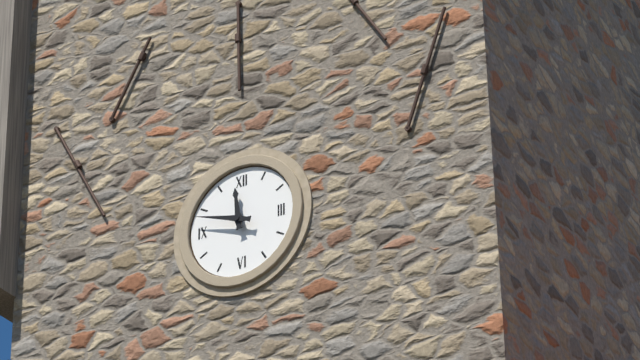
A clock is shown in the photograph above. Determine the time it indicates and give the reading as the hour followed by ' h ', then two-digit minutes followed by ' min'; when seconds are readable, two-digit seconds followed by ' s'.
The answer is 11 h 48 min
